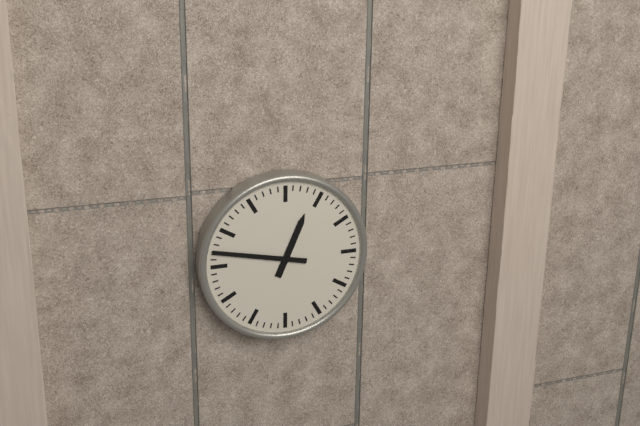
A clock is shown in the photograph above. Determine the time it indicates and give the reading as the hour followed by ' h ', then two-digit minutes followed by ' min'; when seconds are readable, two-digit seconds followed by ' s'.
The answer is 12 h 47 min
